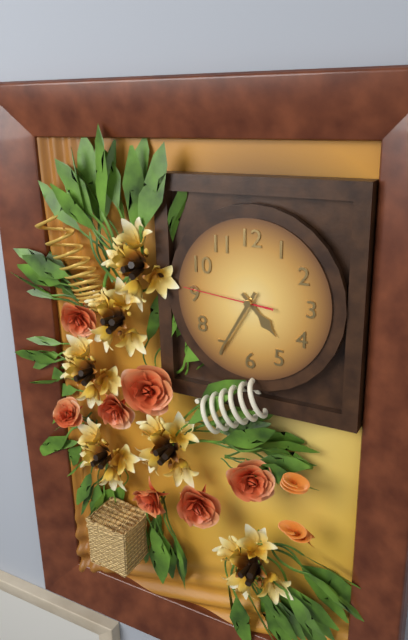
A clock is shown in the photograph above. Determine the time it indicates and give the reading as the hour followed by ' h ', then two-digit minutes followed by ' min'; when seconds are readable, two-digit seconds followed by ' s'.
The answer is 4 h 35 min 46 s
